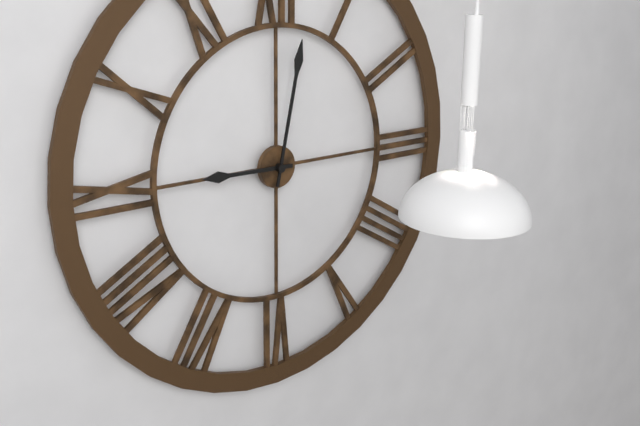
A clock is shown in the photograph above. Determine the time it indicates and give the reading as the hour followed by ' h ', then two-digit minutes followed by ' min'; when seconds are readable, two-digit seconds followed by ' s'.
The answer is 9 h 02 min
